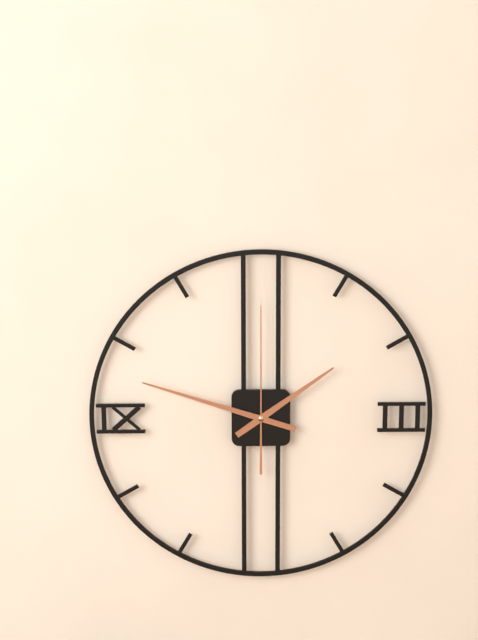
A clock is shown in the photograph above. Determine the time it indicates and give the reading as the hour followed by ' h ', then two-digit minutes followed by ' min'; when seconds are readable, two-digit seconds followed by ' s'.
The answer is 1 h 48 min 00 s
